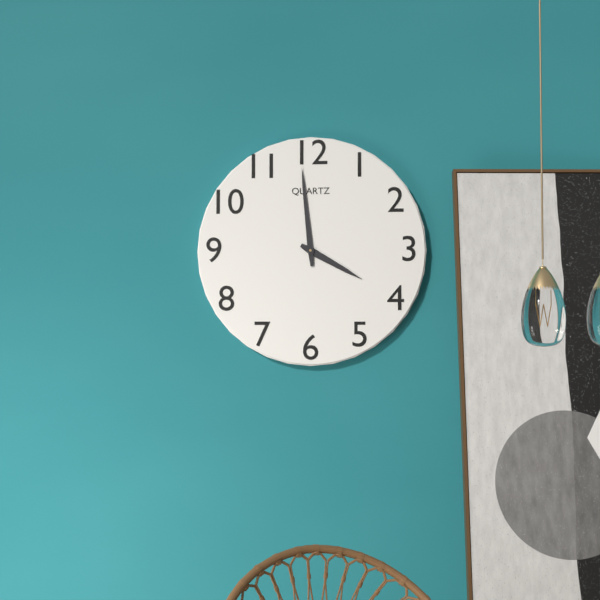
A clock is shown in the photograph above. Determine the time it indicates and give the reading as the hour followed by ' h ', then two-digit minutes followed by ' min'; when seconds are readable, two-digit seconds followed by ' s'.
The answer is 3 h 59 min
